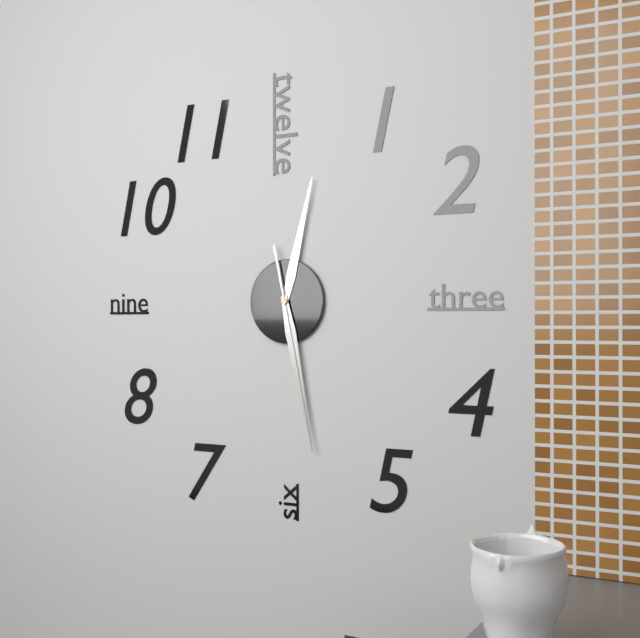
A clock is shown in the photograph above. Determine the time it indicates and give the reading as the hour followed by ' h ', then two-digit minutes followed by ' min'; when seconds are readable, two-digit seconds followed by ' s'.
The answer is 12 h 28 min 28 s
